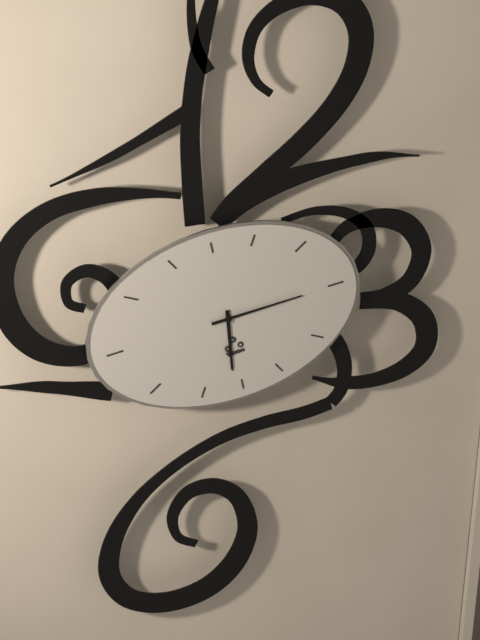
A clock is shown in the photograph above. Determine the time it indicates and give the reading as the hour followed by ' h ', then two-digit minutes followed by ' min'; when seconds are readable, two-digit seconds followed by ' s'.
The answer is 6 h 15 min
